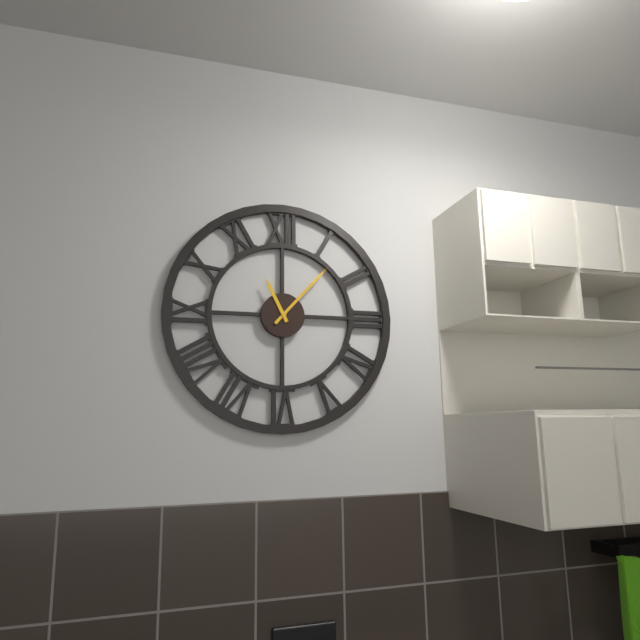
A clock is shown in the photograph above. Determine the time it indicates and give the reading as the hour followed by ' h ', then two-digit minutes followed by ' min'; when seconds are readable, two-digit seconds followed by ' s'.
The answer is 11 h 07 min
